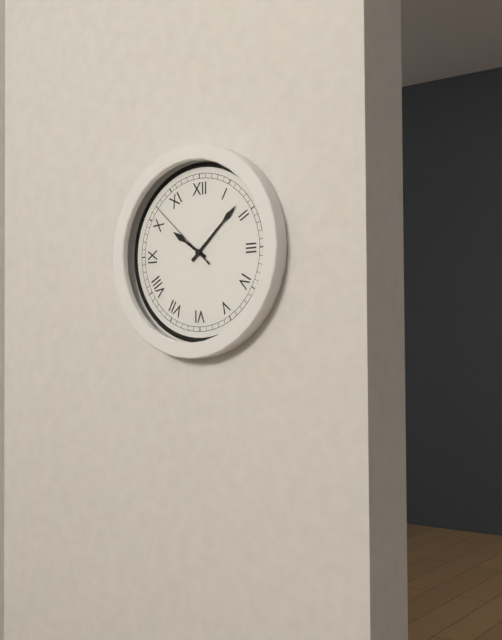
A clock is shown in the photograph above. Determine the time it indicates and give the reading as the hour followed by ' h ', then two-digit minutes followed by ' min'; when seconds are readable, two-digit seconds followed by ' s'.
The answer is 10 h 08 min 52 s
